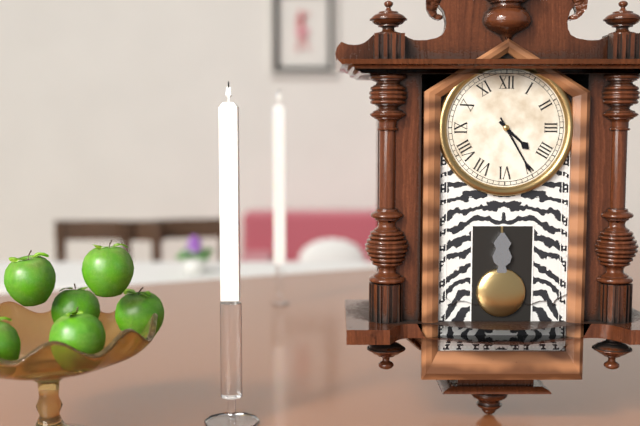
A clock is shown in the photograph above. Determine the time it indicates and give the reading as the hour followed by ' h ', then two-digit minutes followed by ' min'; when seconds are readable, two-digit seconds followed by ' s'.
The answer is 4 h 25 min
